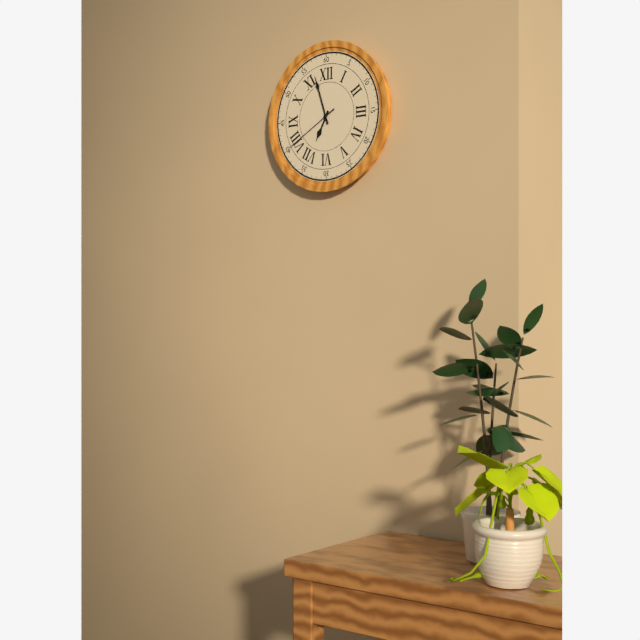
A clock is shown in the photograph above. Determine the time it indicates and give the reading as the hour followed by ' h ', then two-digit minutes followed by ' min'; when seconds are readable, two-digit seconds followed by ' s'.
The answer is 6 h 57 min 40 s
